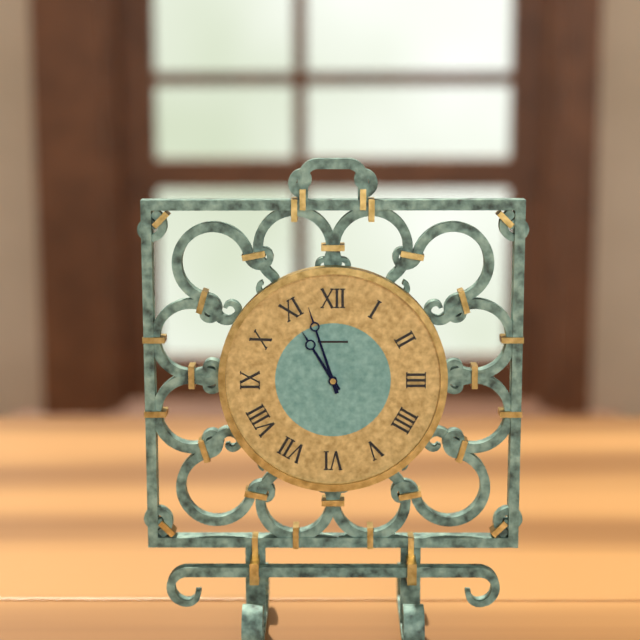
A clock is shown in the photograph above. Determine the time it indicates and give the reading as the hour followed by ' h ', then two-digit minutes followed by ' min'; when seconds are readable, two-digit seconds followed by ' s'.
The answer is 10 h 57 min
